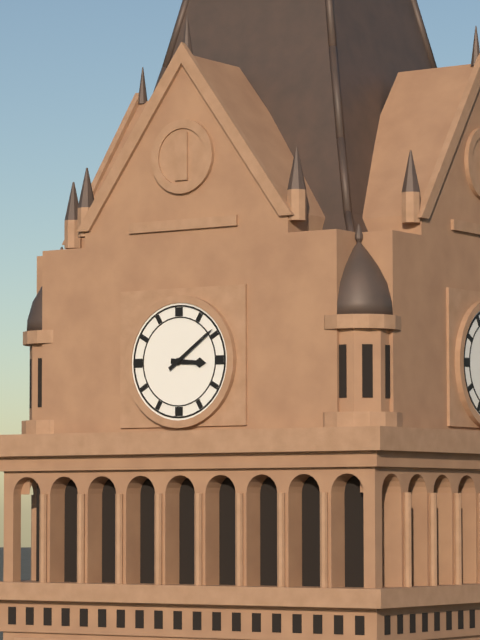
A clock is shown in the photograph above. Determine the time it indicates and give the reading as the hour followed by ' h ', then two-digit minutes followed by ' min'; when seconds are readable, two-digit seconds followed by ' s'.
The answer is 3 h 09 min
